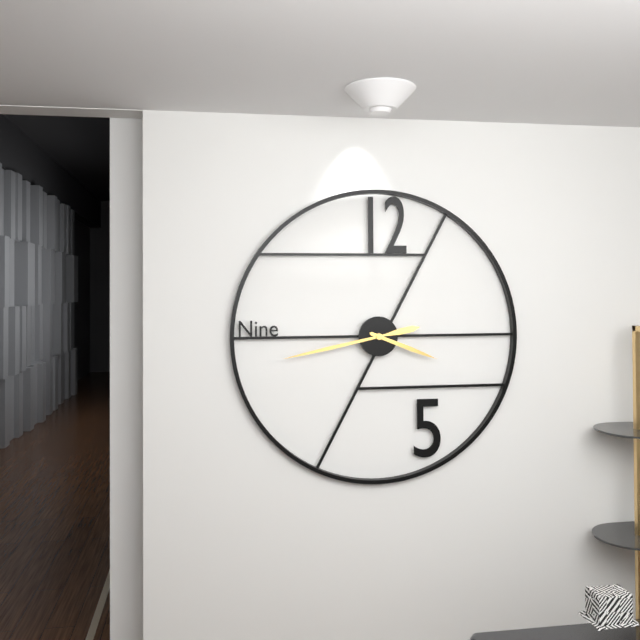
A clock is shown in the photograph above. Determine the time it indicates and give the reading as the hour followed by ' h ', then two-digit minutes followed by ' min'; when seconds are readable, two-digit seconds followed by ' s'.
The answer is 3 h 43 min
